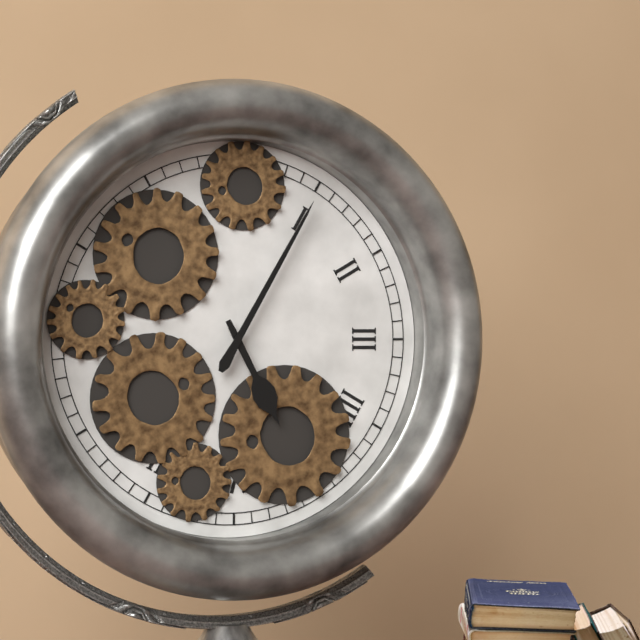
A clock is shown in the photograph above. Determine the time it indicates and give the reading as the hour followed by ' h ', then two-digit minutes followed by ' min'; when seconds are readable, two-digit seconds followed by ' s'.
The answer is 5 h 05 min
